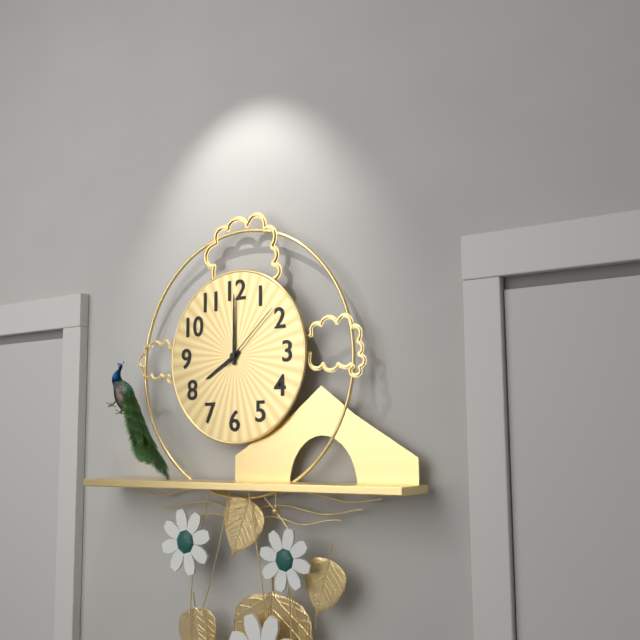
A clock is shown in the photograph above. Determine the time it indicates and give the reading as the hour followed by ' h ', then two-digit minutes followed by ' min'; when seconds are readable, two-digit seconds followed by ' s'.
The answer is 8 h 00 min 08 s
